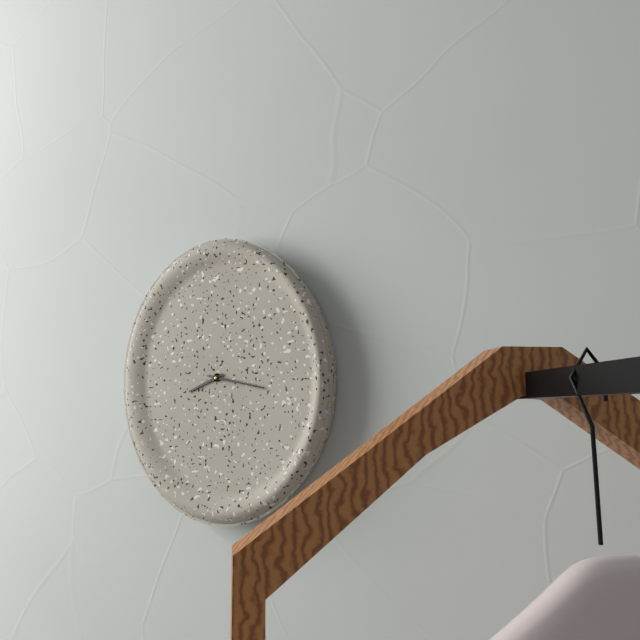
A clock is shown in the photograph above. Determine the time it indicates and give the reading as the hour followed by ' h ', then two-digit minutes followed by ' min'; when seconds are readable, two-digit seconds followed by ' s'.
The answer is 8 h 17 min
